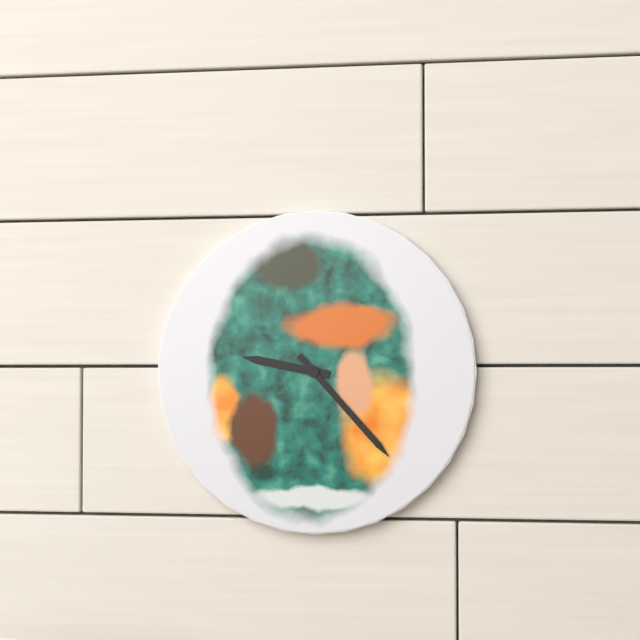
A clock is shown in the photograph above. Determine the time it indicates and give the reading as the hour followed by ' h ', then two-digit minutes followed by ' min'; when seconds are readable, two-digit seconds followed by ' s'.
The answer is 9 h 23 min
